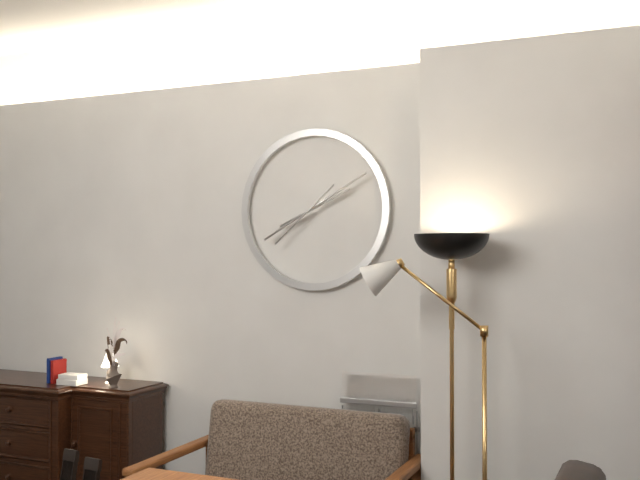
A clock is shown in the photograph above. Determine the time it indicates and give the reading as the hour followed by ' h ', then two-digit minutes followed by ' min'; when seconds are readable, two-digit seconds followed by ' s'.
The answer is 2 h 10 min 38 s
